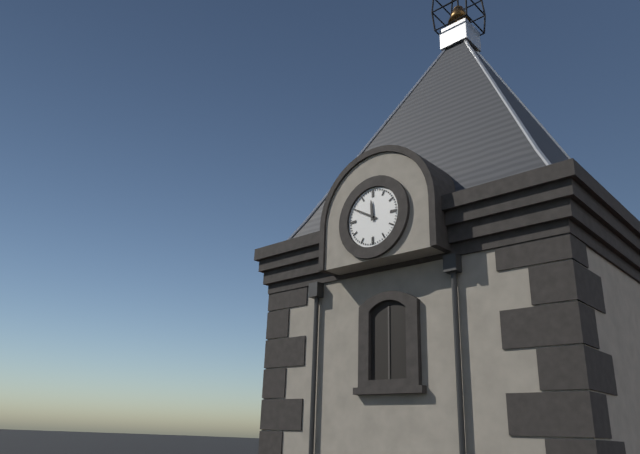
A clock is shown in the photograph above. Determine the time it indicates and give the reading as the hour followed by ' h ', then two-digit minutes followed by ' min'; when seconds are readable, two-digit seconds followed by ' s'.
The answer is 11 h 50 min
